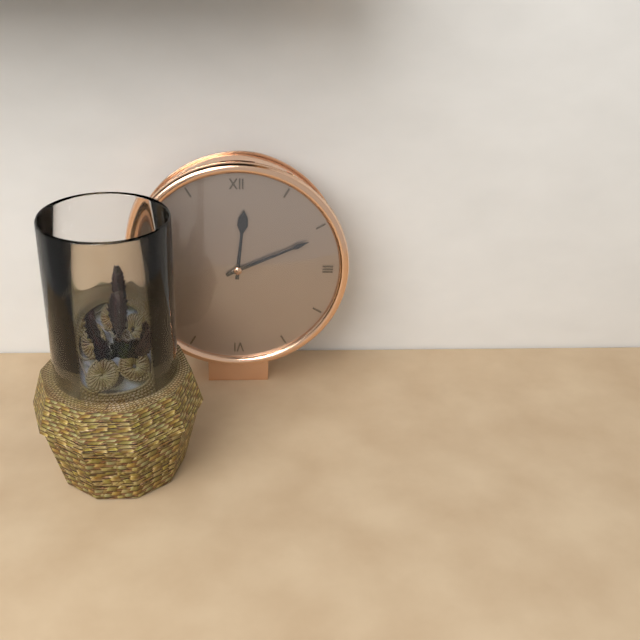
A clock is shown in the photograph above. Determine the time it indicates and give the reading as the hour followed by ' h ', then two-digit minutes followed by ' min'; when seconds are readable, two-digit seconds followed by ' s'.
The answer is 12 h 11 min
